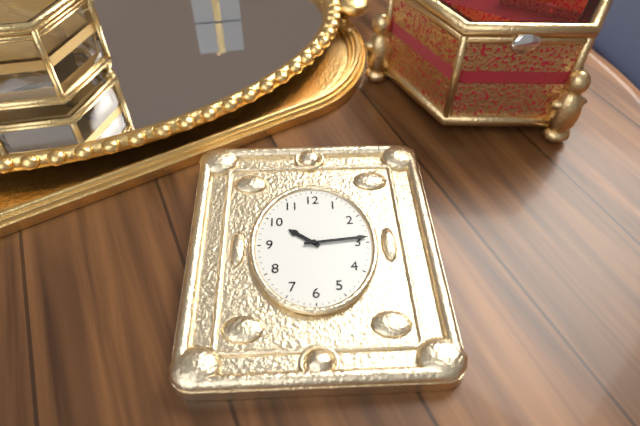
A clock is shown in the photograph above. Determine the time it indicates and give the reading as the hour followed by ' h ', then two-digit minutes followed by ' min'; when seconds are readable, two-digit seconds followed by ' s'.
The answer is 10 h 14 min
